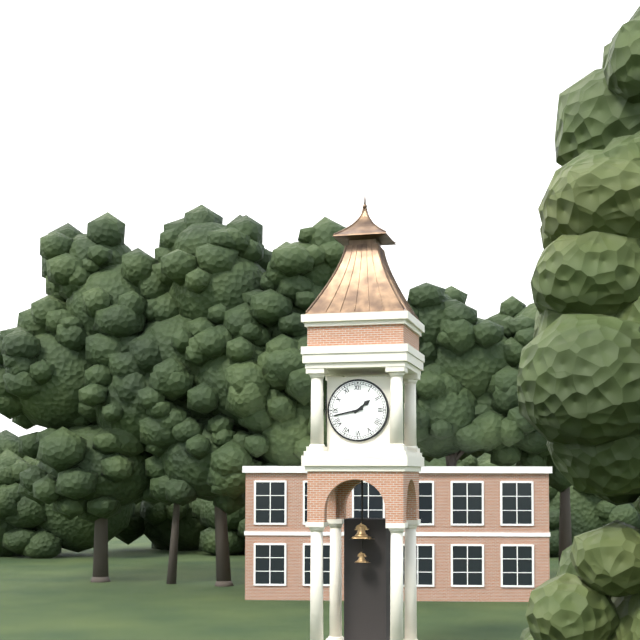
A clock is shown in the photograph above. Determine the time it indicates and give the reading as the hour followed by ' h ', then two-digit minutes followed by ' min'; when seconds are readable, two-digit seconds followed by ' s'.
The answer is 1 h 43 min
